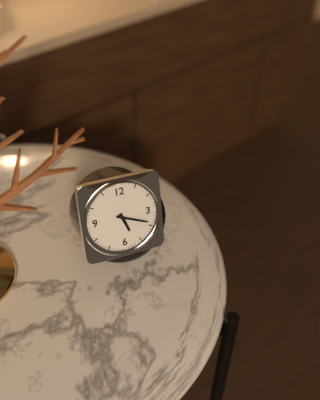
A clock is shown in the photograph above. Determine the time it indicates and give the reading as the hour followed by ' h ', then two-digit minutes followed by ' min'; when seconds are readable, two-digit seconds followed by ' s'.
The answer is 5 h 19 min
